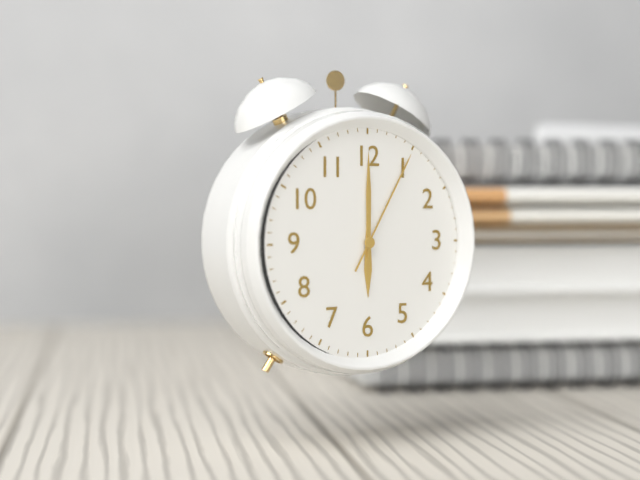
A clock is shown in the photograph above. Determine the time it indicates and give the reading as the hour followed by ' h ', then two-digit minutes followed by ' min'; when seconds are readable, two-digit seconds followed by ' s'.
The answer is 6 h 00 min 05 s
